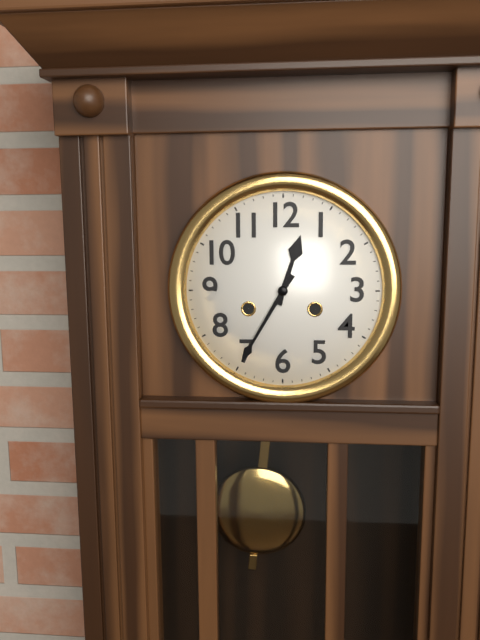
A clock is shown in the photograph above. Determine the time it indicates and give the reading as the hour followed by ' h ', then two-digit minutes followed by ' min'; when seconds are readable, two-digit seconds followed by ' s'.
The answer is 12 h 35 min
